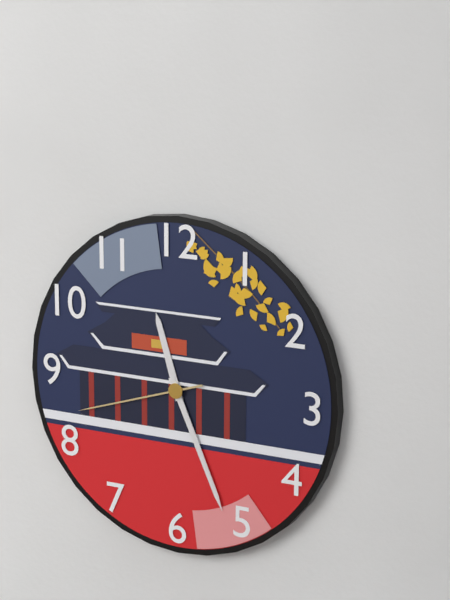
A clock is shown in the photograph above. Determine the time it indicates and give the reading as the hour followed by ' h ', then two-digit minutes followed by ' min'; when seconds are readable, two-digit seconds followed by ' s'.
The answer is 11 h 26 min 42 s
